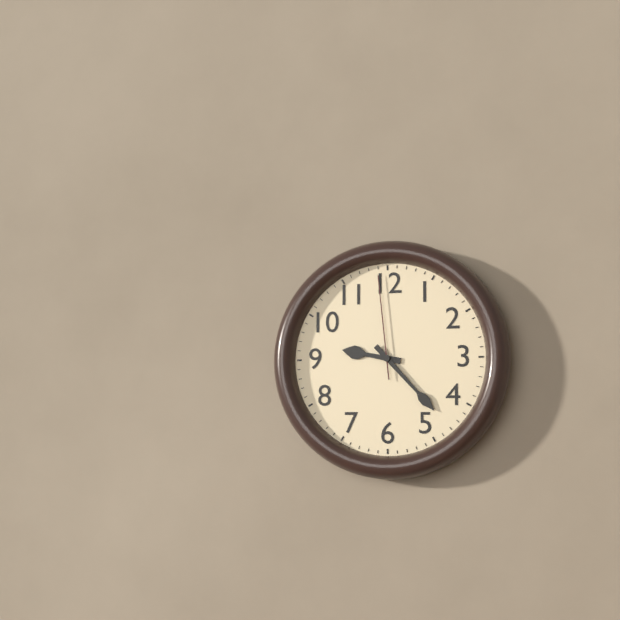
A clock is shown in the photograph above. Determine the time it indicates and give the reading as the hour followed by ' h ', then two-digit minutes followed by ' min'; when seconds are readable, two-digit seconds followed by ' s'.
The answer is 9 h 23 min 59 s
